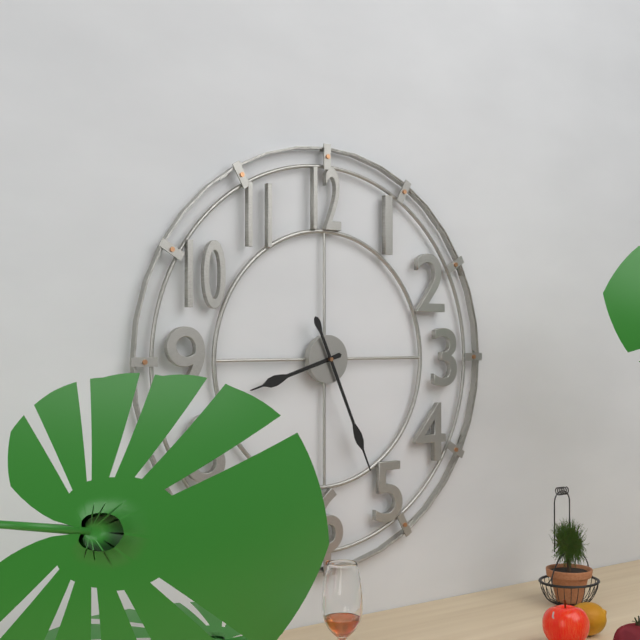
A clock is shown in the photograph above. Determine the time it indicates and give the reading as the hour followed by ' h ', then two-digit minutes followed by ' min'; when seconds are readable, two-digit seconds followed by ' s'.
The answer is 8 h 26 min
